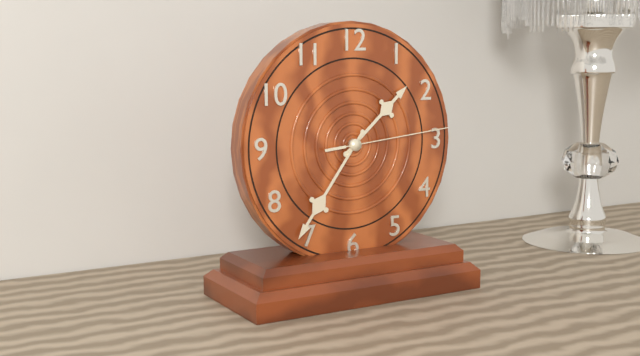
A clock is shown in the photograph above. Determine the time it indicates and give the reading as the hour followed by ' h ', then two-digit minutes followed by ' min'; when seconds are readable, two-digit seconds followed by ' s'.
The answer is 1 h 36 min 14 s
